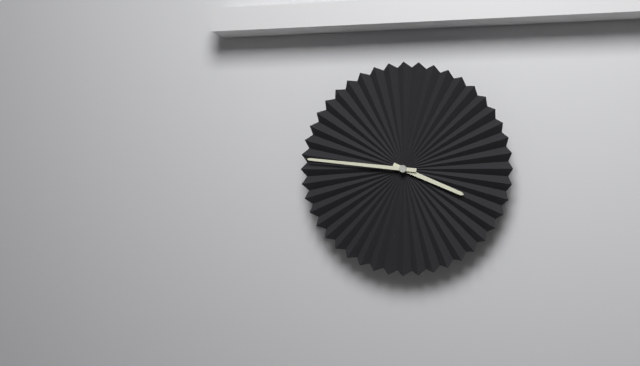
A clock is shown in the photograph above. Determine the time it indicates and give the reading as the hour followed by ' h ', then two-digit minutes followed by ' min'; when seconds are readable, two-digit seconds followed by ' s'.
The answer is 3 h 46 min
